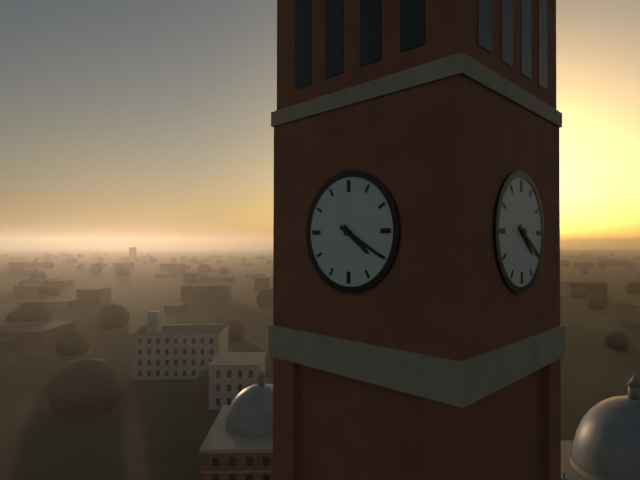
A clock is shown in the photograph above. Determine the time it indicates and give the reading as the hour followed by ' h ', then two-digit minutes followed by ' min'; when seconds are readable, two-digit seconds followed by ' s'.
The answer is 4 h 20 min
